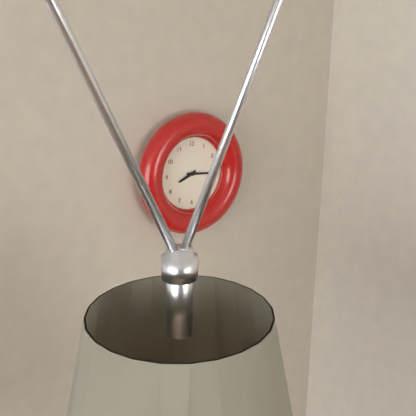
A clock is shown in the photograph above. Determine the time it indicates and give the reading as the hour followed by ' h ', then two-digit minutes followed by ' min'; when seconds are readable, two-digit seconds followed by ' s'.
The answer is 8 h 16 min
